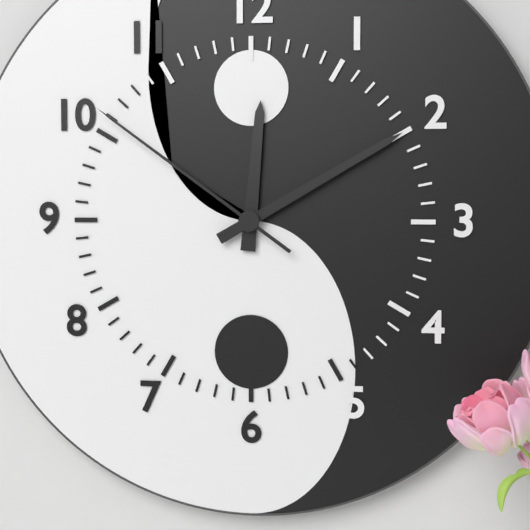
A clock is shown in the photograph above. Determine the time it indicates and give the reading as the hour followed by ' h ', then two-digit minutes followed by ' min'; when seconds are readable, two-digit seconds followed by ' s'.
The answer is 12 h 10 min 51 s
